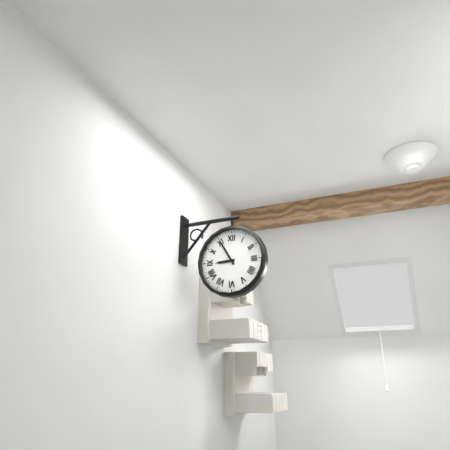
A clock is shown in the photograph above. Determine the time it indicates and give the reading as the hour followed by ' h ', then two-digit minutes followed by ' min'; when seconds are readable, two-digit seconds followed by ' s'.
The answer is 8 h 55 min
